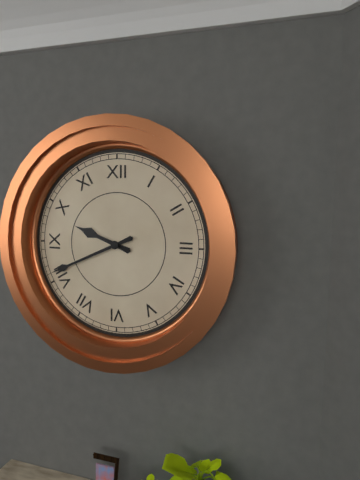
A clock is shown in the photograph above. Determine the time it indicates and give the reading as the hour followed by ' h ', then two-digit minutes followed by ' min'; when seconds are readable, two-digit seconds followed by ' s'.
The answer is 9 h 41 min
